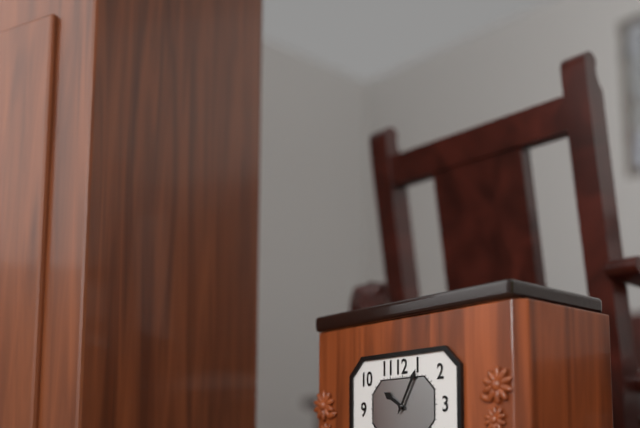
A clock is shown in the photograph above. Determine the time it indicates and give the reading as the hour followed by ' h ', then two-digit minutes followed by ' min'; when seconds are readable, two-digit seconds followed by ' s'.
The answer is 10 h 05 min
